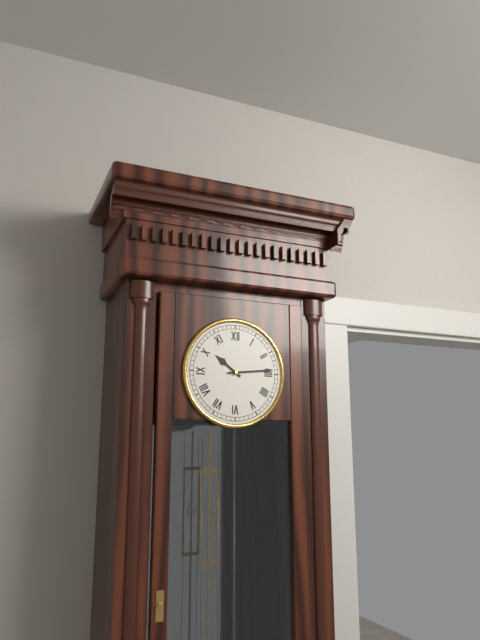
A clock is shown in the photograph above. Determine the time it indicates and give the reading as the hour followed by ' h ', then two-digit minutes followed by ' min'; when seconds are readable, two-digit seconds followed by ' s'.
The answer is 10 h 14 min
